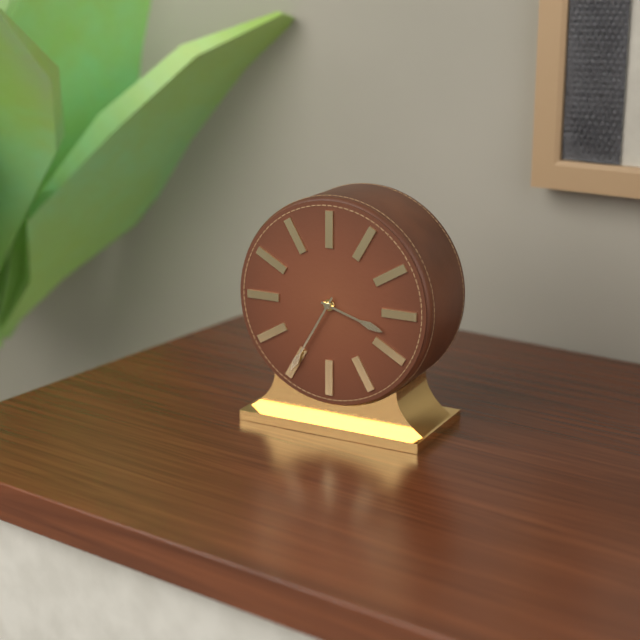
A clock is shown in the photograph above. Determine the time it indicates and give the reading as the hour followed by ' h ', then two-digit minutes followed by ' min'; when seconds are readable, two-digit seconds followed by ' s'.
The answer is 3 h 35 min
